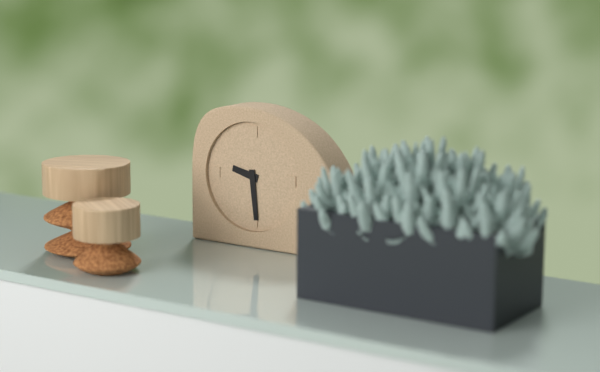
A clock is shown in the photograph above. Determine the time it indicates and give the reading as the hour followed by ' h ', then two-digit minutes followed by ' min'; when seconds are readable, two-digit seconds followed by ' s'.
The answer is 9 h 29 min
